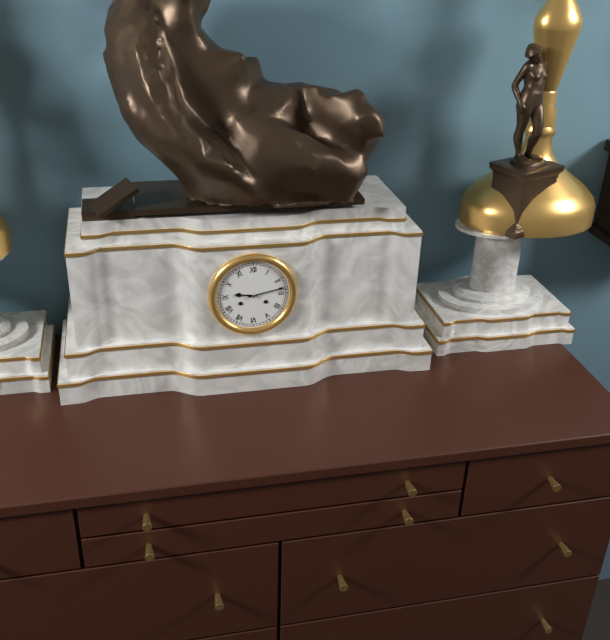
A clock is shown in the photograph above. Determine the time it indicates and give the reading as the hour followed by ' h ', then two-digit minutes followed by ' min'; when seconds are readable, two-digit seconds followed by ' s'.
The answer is 9 h 13 min
